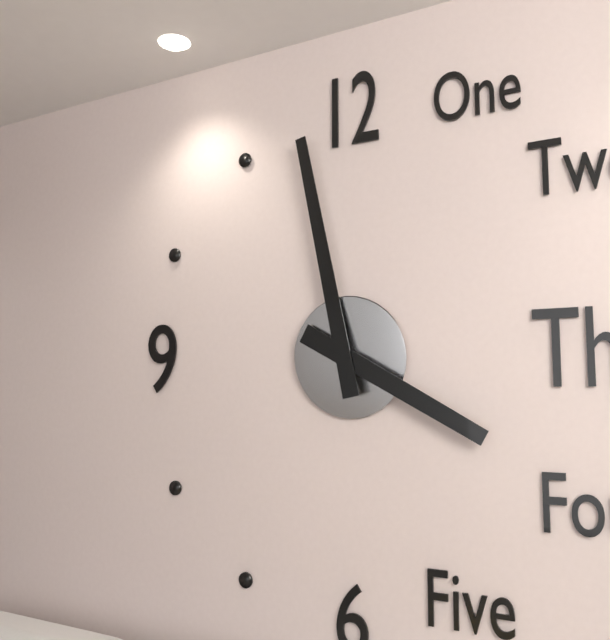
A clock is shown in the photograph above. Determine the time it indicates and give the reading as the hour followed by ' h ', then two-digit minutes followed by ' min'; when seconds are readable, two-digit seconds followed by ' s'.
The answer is 3 h 58 min
